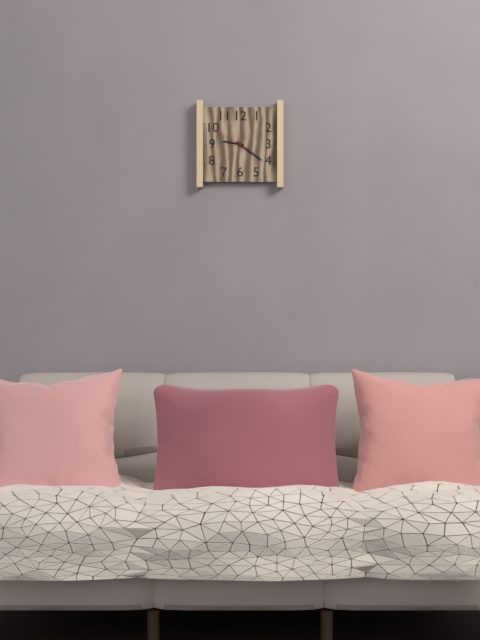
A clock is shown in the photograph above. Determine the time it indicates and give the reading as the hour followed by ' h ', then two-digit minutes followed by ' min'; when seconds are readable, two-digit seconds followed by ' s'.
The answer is 9 h 21 min
